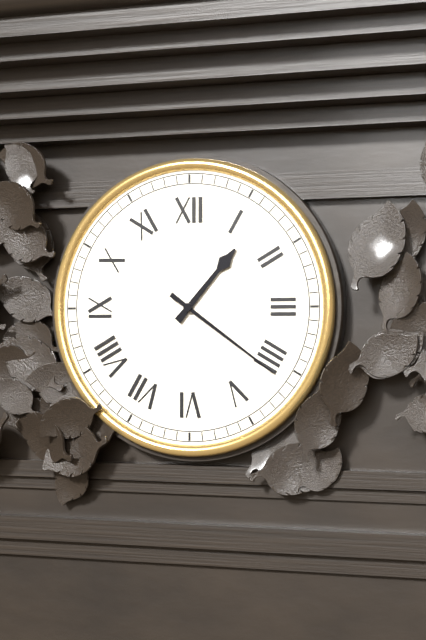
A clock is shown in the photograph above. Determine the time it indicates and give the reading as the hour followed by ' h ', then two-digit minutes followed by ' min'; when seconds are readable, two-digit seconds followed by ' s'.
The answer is 1 h 21 min
